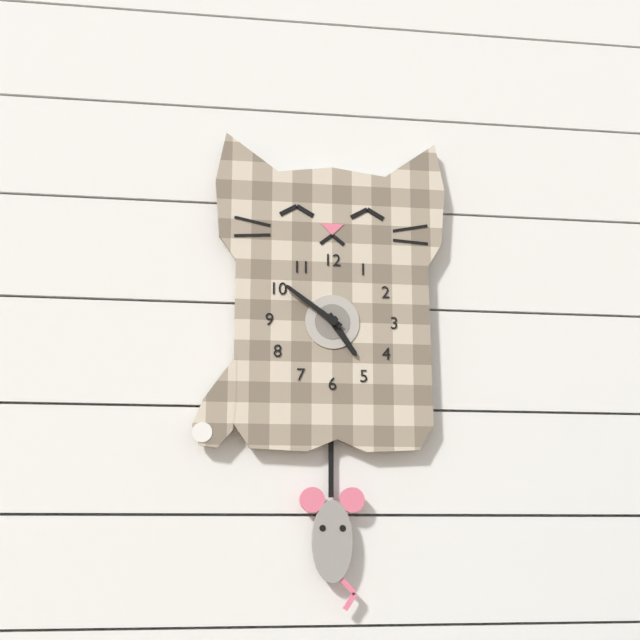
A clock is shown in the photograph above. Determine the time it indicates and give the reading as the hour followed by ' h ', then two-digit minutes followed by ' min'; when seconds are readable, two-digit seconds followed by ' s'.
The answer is 4 h 51 min
